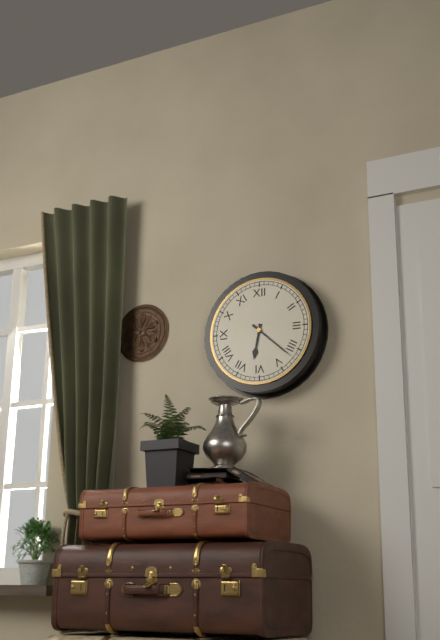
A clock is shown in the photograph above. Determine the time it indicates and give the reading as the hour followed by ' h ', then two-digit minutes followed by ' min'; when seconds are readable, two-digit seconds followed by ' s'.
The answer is 6 h 22 min
